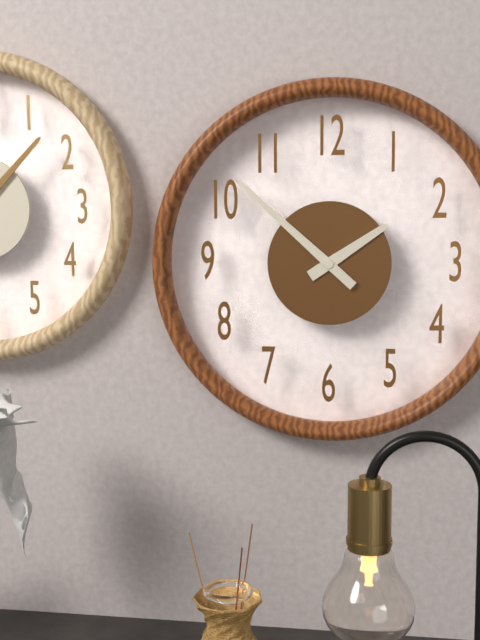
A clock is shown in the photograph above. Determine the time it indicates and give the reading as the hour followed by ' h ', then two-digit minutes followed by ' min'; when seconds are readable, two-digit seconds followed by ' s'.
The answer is 1 h 52 min
